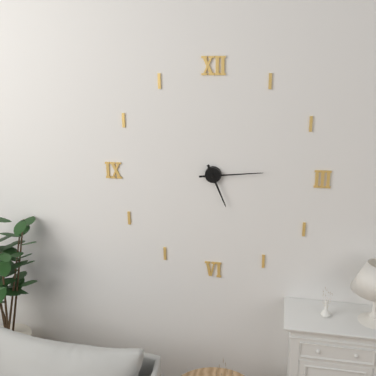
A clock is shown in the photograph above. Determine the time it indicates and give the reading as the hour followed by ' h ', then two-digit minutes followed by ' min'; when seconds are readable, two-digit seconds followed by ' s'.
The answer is 5 h 14 min
